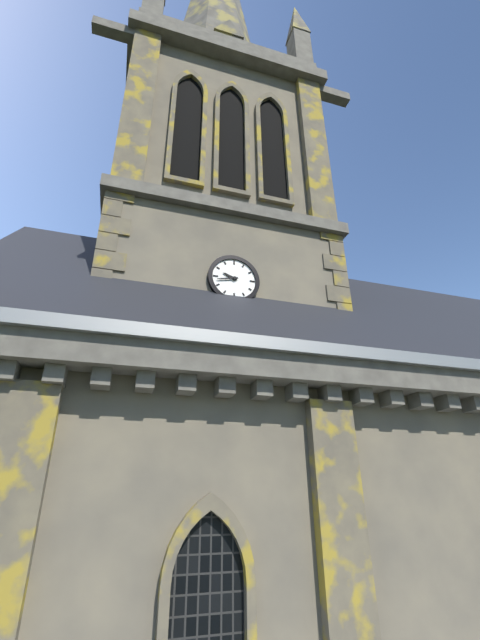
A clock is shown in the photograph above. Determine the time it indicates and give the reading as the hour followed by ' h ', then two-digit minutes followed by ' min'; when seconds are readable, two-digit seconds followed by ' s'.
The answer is 9 h 43 min
